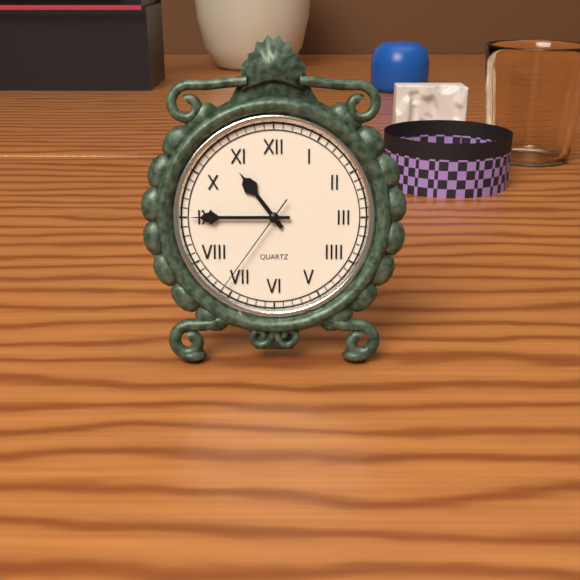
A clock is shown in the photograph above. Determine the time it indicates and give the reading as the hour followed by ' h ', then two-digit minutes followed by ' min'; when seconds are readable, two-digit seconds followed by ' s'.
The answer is 10 h 45 min 36 s
